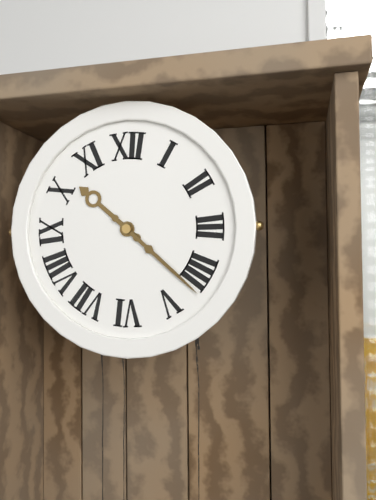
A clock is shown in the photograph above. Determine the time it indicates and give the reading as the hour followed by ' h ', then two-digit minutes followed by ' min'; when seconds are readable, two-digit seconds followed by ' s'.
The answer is 10 h 22 min
